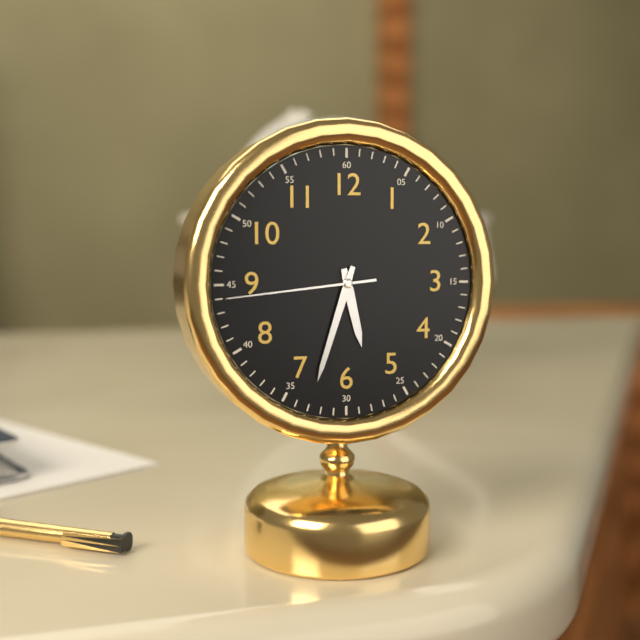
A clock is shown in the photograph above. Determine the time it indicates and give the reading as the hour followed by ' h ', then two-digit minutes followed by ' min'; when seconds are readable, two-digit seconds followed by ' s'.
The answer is 5 h 33 min 44 s
